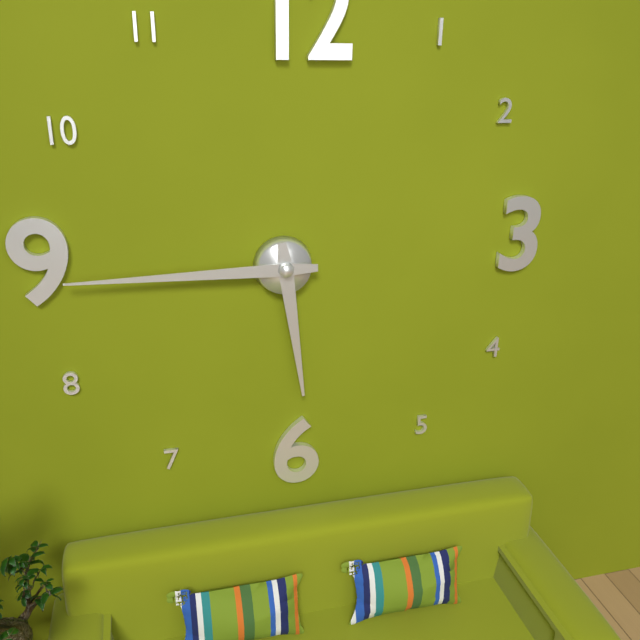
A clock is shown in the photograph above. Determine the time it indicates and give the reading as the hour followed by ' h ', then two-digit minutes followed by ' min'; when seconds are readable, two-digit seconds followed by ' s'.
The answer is 5 h 45 min
